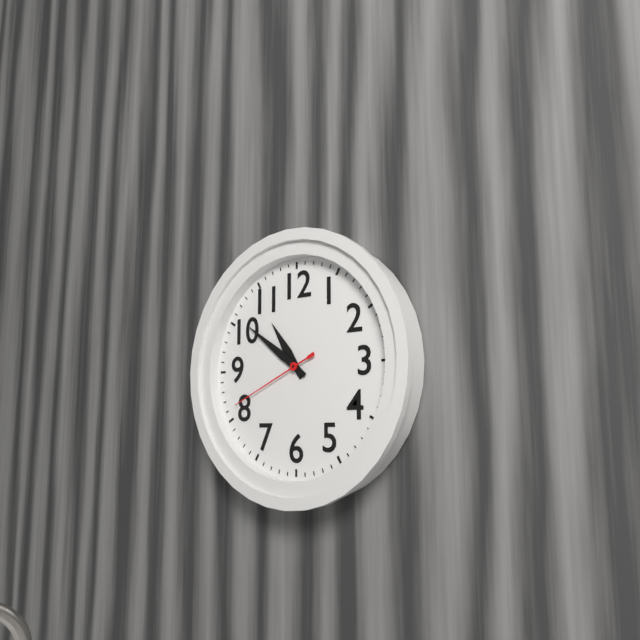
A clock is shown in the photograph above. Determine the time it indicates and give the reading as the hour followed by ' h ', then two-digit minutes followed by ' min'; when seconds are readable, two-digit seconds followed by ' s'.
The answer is 10 h 51 min 41 s
